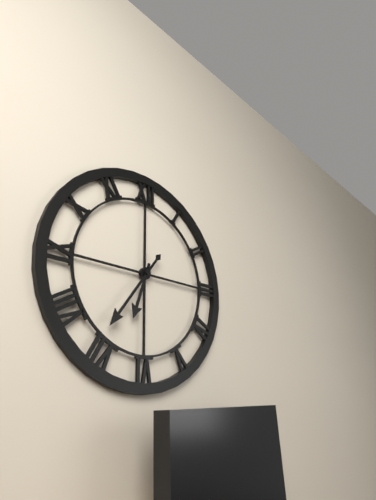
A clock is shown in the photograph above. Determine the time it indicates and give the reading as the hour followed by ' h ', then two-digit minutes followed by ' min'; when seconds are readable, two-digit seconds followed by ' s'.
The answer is 6 h 36 min
